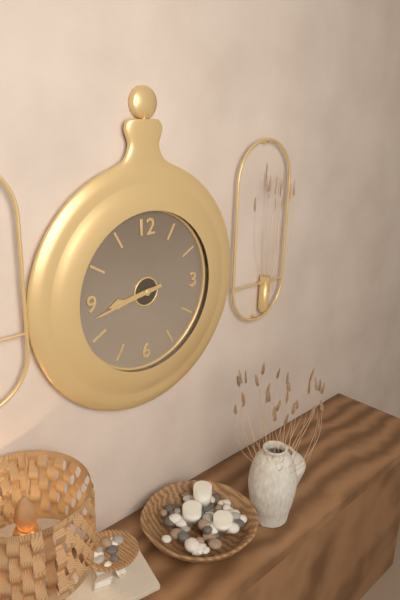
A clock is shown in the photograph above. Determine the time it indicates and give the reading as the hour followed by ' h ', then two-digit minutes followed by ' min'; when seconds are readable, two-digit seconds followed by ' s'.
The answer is 8 h 43 min
